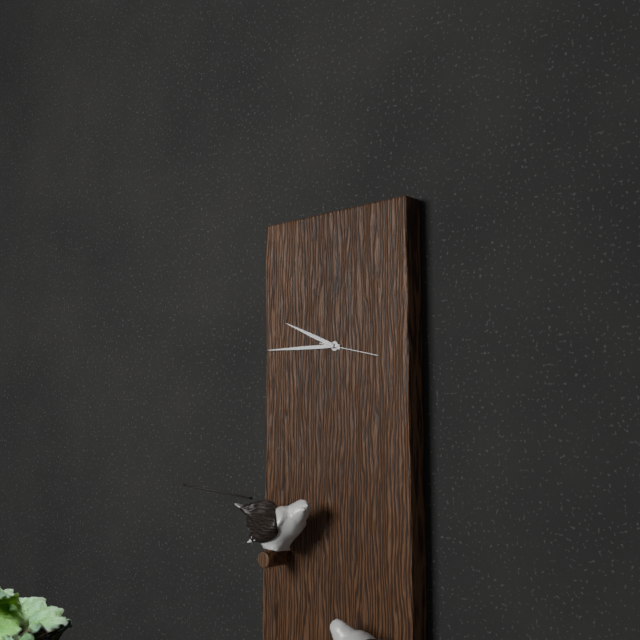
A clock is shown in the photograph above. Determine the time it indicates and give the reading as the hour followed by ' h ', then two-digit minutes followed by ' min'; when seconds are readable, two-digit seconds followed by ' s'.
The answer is 9 h 45 min 17 s
